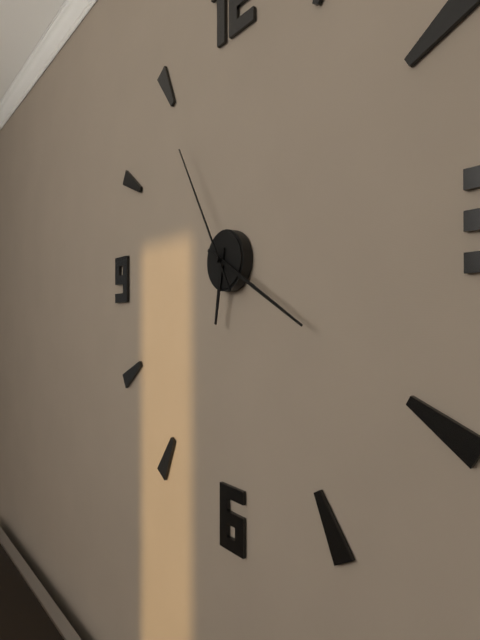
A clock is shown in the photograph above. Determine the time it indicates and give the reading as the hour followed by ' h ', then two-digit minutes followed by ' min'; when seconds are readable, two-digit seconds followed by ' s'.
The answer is 6 h 20 min 55 s
